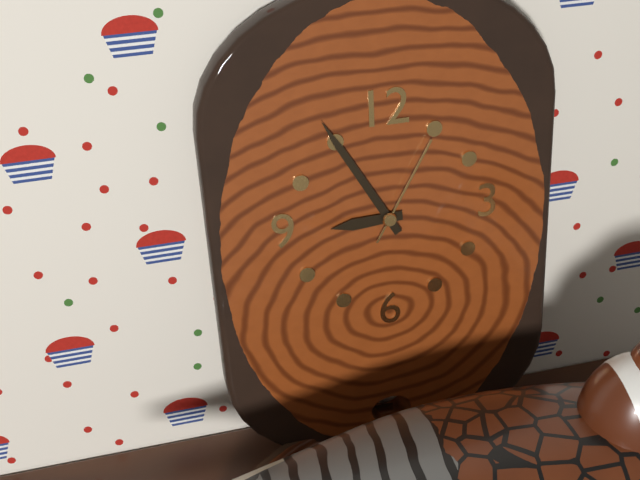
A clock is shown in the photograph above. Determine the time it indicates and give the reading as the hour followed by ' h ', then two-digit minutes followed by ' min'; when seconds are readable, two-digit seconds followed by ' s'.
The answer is 8 h 55 min 05 s
